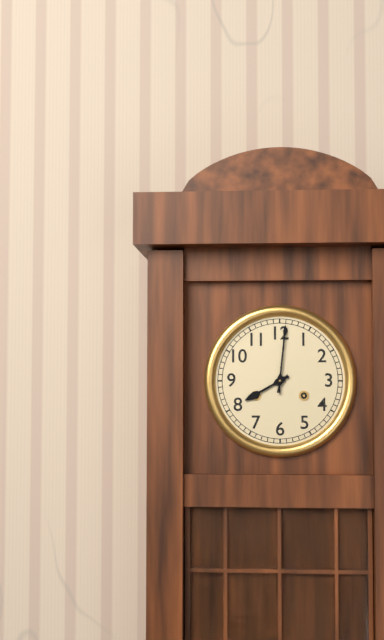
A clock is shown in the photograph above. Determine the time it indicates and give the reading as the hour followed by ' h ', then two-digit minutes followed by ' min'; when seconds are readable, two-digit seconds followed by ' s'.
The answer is 8 h 01 min
